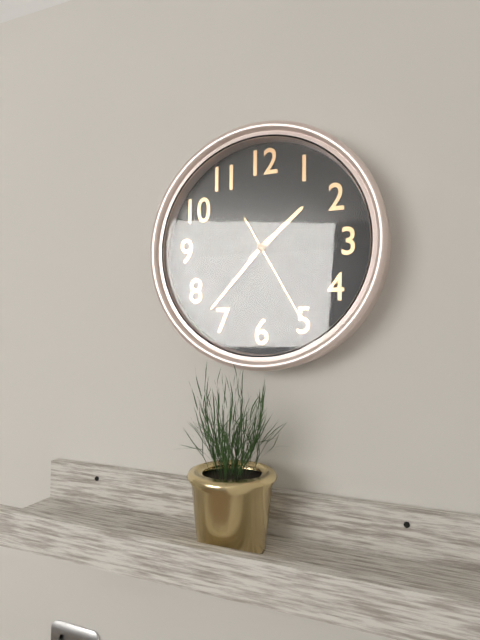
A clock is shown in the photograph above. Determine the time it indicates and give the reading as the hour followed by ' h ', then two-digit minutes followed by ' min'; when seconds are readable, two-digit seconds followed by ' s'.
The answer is 1 h 37 min 25 s
